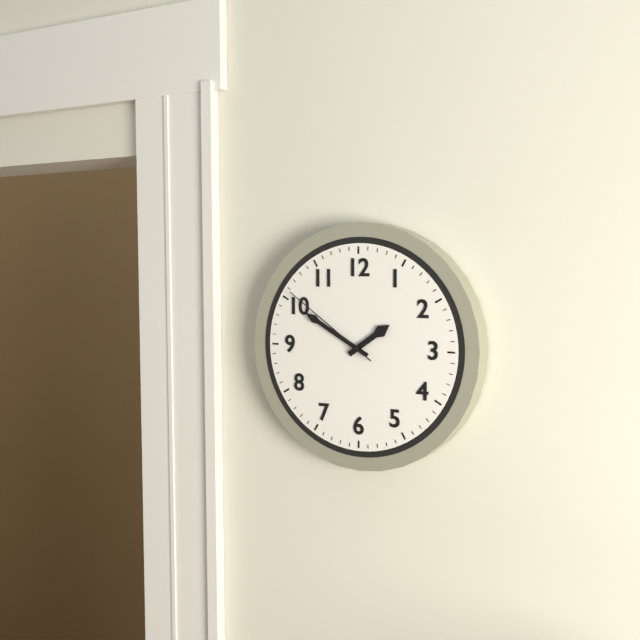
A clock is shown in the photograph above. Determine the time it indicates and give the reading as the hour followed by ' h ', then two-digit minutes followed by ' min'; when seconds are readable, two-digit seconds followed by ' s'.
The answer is 1 h 50 min 51 s
